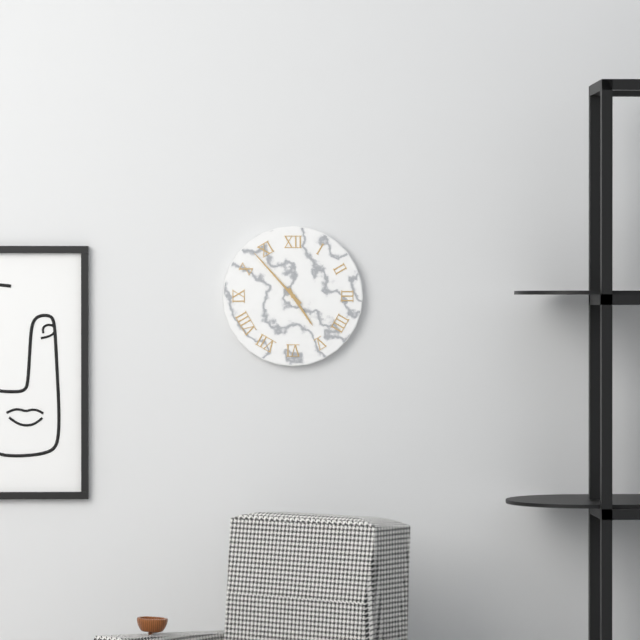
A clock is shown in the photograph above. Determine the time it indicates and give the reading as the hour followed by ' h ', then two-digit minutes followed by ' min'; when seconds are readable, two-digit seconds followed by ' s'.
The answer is 4 h 53 min
